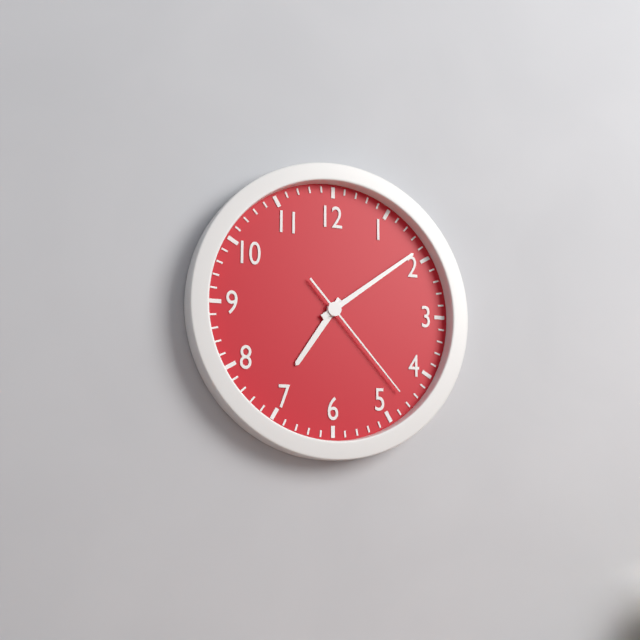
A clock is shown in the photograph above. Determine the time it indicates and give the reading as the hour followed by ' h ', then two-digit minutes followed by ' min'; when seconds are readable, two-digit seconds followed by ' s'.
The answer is 7 h 09 min 23 s
